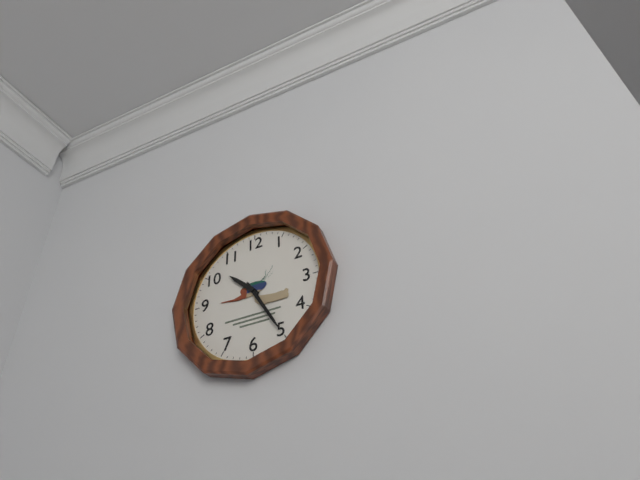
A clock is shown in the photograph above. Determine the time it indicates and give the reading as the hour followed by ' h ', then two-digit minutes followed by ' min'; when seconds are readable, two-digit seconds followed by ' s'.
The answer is 10 h 25 min
